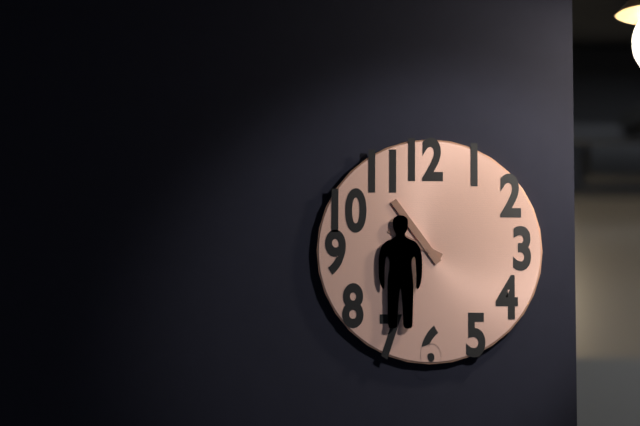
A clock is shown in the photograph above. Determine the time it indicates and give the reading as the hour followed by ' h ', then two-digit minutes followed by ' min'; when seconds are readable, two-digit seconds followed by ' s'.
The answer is 9 h 54 min
